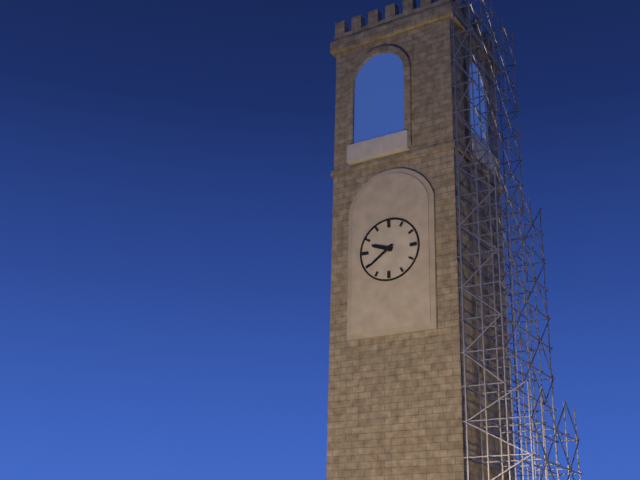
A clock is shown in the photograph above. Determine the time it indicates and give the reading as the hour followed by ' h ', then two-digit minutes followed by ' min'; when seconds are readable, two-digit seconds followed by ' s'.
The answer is 9 h 39 min
